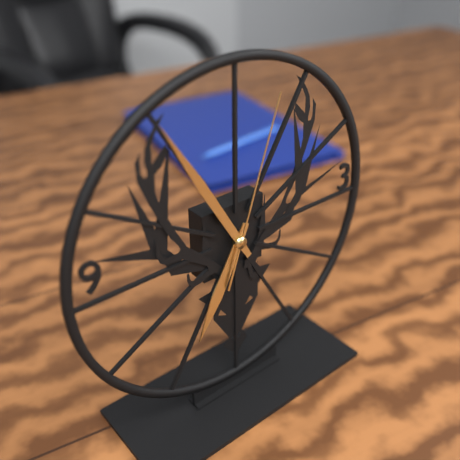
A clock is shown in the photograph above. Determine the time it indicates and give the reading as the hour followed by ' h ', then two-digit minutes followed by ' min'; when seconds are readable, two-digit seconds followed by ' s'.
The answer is 6 h 55 min 03 s
